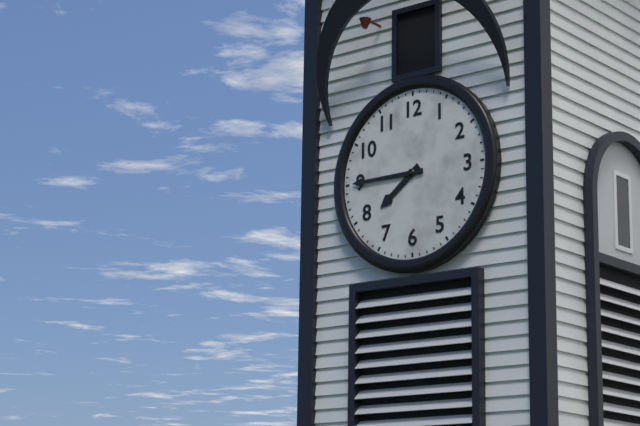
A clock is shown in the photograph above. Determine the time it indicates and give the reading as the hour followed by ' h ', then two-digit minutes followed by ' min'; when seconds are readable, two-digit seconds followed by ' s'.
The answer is 7 h 45 min
